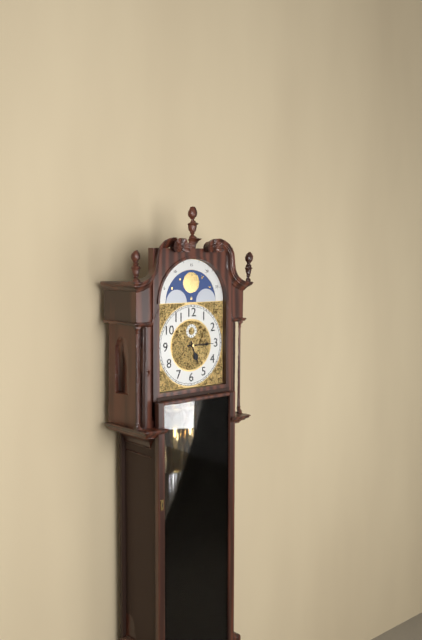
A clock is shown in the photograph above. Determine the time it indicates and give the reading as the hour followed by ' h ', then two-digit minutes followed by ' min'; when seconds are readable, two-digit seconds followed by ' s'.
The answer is 5 h 15 min
